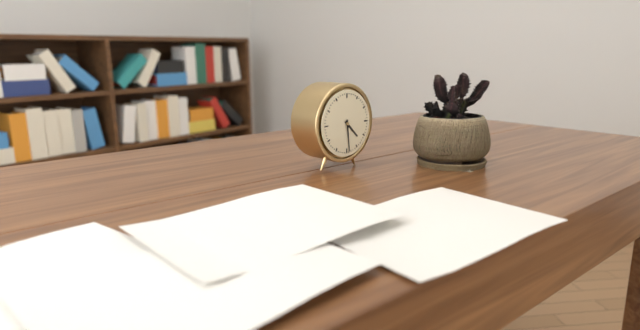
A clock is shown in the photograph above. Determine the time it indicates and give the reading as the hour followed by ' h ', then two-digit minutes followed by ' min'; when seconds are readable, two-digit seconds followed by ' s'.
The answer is 4 h 29 min
